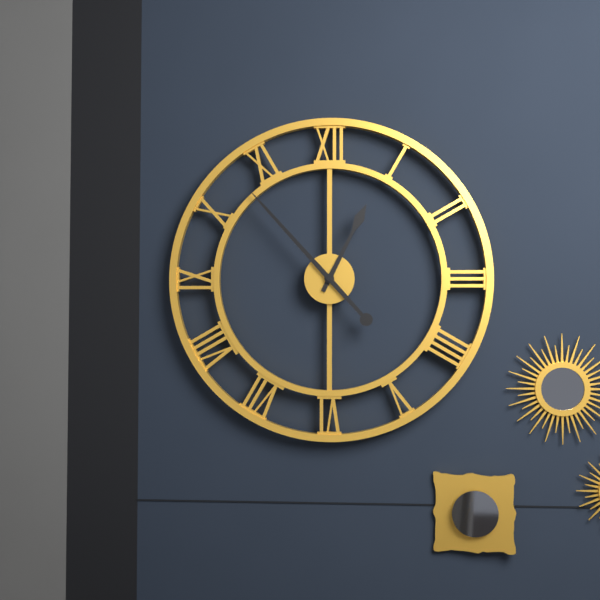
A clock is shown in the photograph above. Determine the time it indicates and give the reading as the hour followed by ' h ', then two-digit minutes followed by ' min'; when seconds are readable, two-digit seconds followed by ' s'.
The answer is 12 h 53 min
